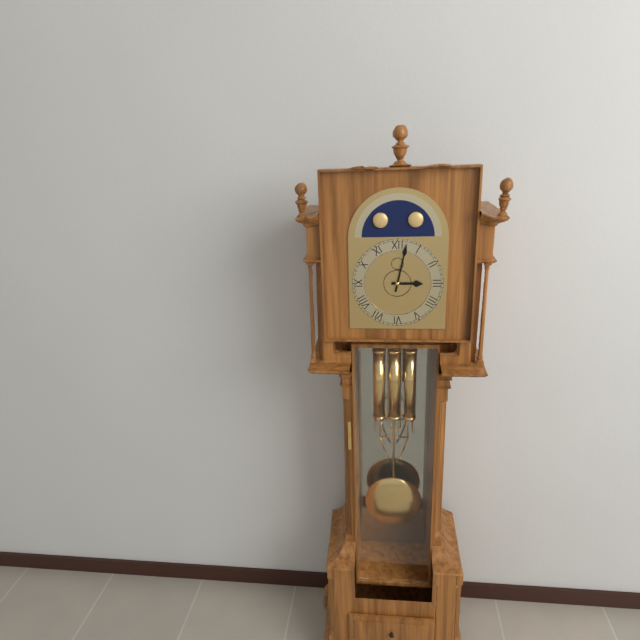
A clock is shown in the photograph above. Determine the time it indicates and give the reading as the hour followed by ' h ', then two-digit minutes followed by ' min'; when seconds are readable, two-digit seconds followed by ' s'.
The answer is 3 h 02 min
